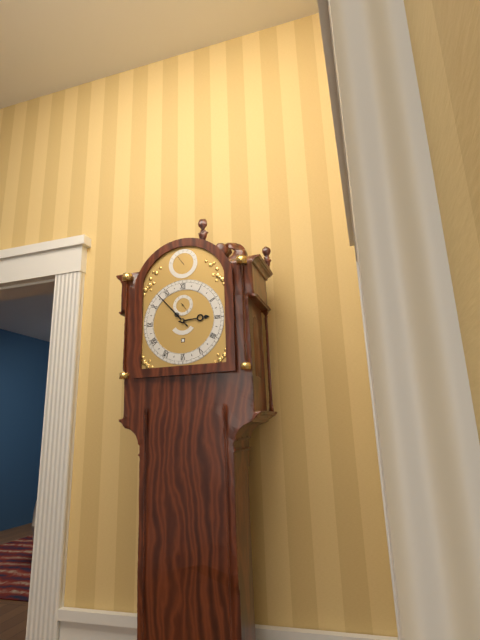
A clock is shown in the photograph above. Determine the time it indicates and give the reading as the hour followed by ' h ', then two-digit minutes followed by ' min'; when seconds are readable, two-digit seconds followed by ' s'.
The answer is 2 h 53 min
